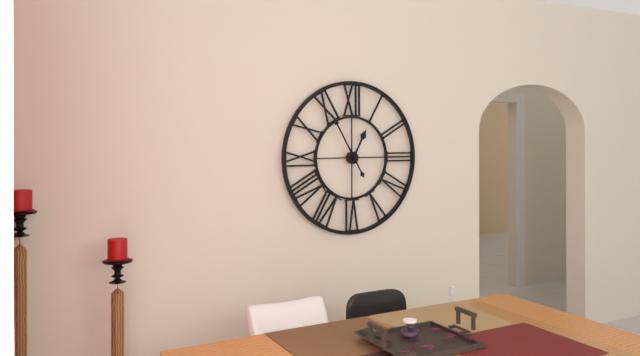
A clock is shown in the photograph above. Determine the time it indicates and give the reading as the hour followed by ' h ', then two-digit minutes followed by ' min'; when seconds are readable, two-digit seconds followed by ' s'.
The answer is 12 h 55 min
